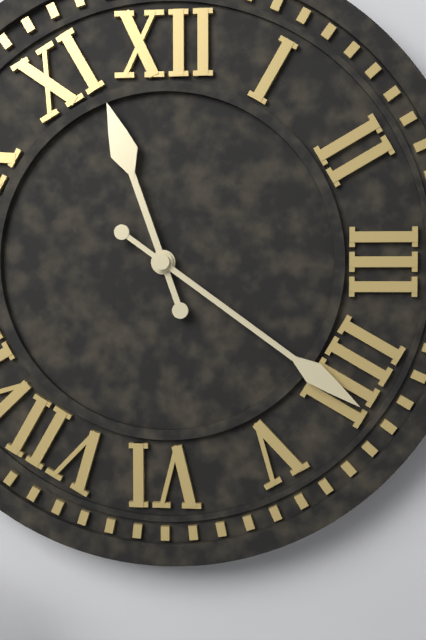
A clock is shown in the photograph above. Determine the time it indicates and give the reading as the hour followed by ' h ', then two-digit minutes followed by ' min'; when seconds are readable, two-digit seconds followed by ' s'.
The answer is 11 h 21 min
